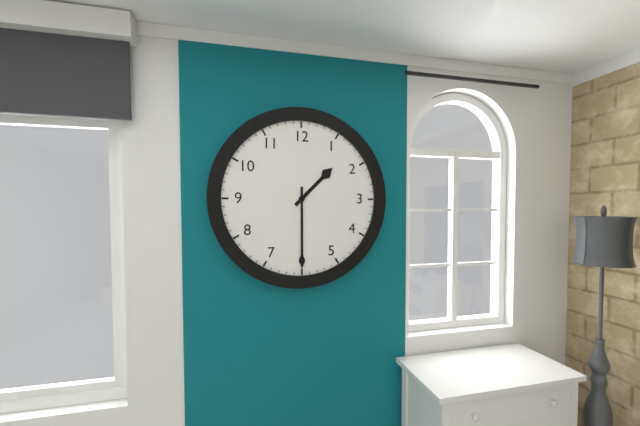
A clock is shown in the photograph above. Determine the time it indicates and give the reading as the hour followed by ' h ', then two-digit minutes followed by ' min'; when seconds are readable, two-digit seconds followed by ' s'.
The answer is 1 h 30 min
